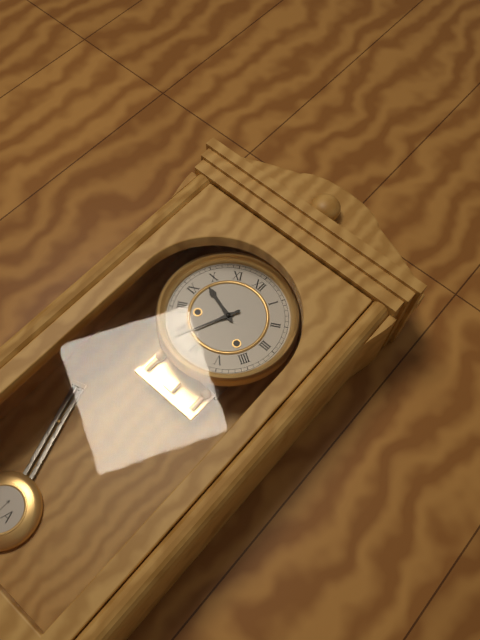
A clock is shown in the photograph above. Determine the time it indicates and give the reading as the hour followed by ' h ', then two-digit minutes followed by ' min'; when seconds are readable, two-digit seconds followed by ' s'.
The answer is 9 h 34 min
